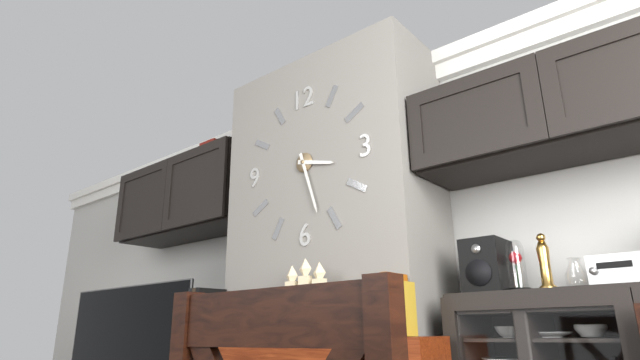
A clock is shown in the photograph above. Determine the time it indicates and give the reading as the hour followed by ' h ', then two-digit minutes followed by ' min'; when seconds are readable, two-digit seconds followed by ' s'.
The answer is 3 h 27 min
